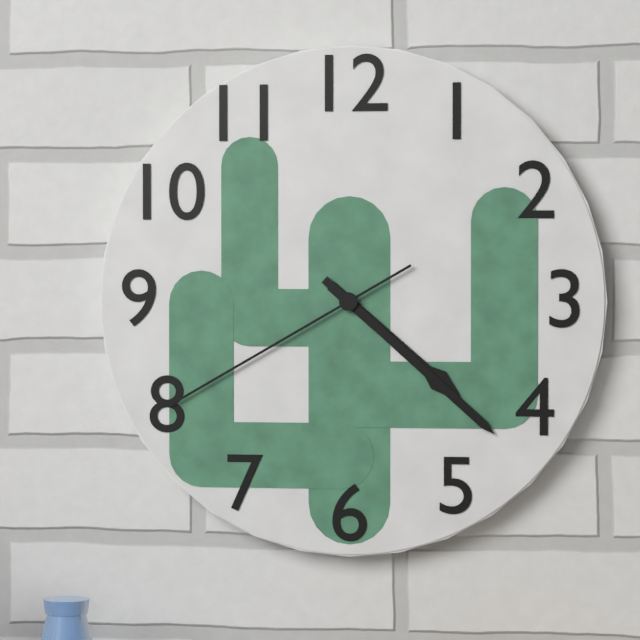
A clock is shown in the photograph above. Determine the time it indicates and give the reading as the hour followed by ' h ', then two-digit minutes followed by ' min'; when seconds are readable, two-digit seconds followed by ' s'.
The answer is 4 h 22 min 40 s
